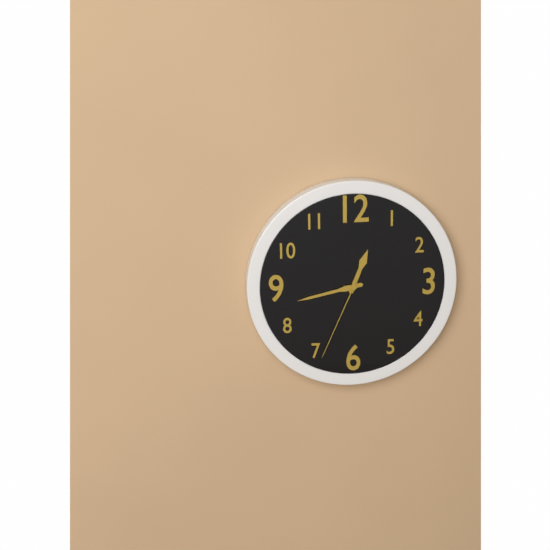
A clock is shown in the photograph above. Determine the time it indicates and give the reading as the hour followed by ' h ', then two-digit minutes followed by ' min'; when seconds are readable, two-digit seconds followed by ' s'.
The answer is 12 h 43 min 34 s
